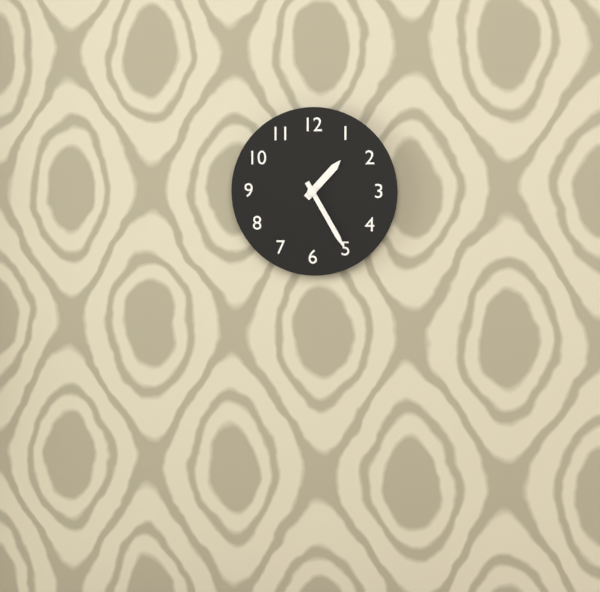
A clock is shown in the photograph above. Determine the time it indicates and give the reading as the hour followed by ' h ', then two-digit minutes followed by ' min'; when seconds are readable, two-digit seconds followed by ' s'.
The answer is 1 h 25 min
